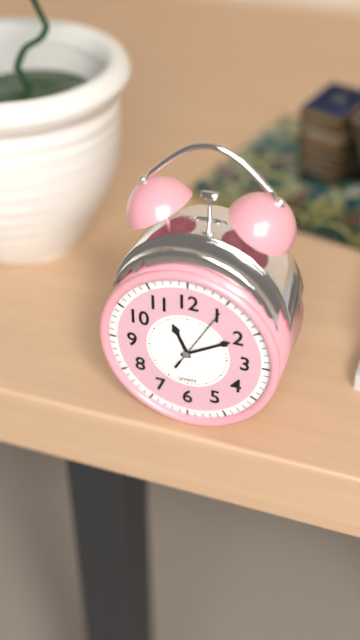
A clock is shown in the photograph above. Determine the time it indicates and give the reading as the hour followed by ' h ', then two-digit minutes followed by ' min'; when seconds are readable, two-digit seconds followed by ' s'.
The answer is 11 h 10 min 05 s
